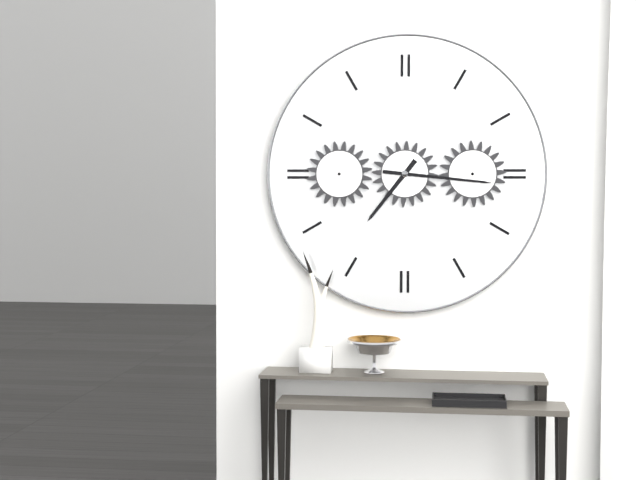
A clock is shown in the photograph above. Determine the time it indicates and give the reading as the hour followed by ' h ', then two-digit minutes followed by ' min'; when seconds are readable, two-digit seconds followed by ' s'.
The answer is 7 h 16 min
